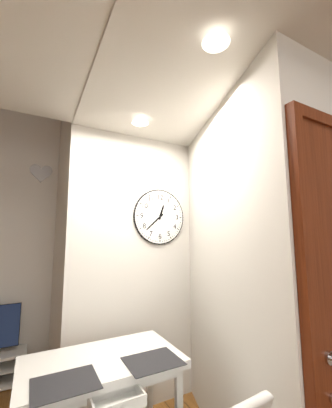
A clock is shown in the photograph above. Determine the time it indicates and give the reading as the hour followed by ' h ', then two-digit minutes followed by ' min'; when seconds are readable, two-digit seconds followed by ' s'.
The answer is 12 h 38 min
